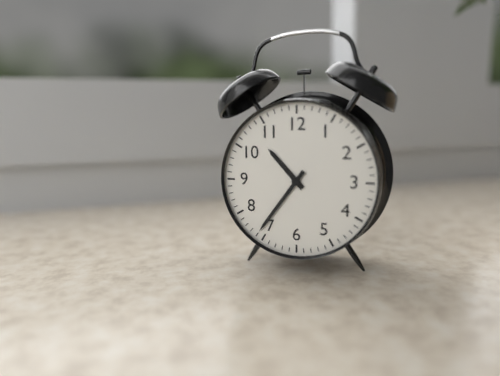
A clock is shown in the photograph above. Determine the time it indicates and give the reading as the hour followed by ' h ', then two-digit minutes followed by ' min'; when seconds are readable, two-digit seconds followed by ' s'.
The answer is 10 h 36 min
